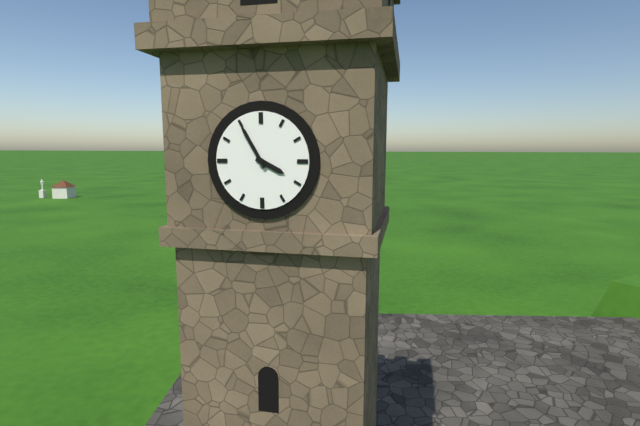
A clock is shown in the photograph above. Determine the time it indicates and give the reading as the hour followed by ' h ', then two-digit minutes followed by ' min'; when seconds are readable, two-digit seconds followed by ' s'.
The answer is 3 h 55 min
